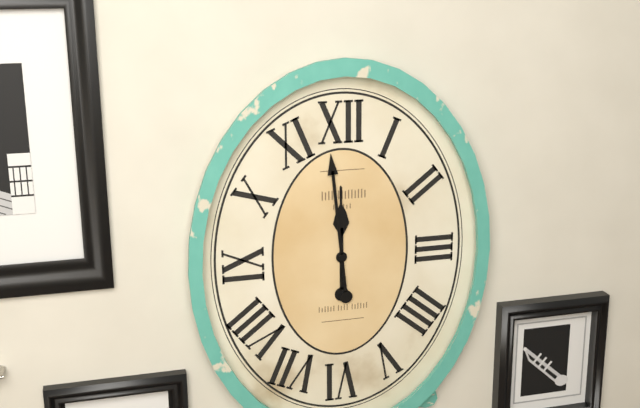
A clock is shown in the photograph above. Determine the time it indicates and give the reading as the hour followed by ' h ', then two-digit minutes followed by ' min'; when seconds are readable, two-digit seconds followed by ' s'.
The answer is 11 h 59 min
